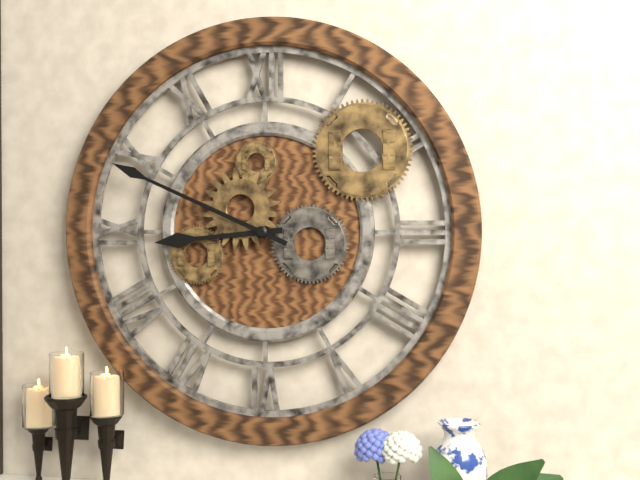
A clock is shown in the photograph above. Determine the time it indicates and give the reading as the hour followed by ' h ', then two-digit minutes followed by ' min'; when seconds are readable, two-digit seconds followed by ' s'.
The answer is 8 h 49 min
